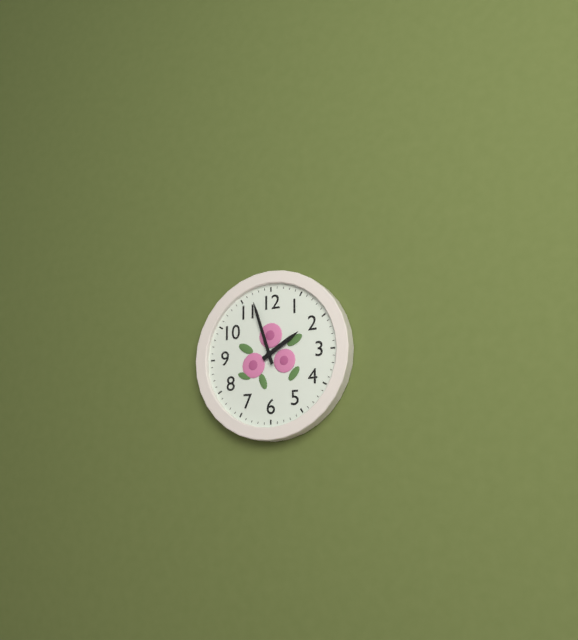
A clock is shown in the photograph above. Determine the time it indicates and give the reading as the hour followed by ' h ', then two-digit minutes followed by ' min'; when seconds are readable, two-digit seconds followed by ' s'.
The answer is 1 h 57 min
